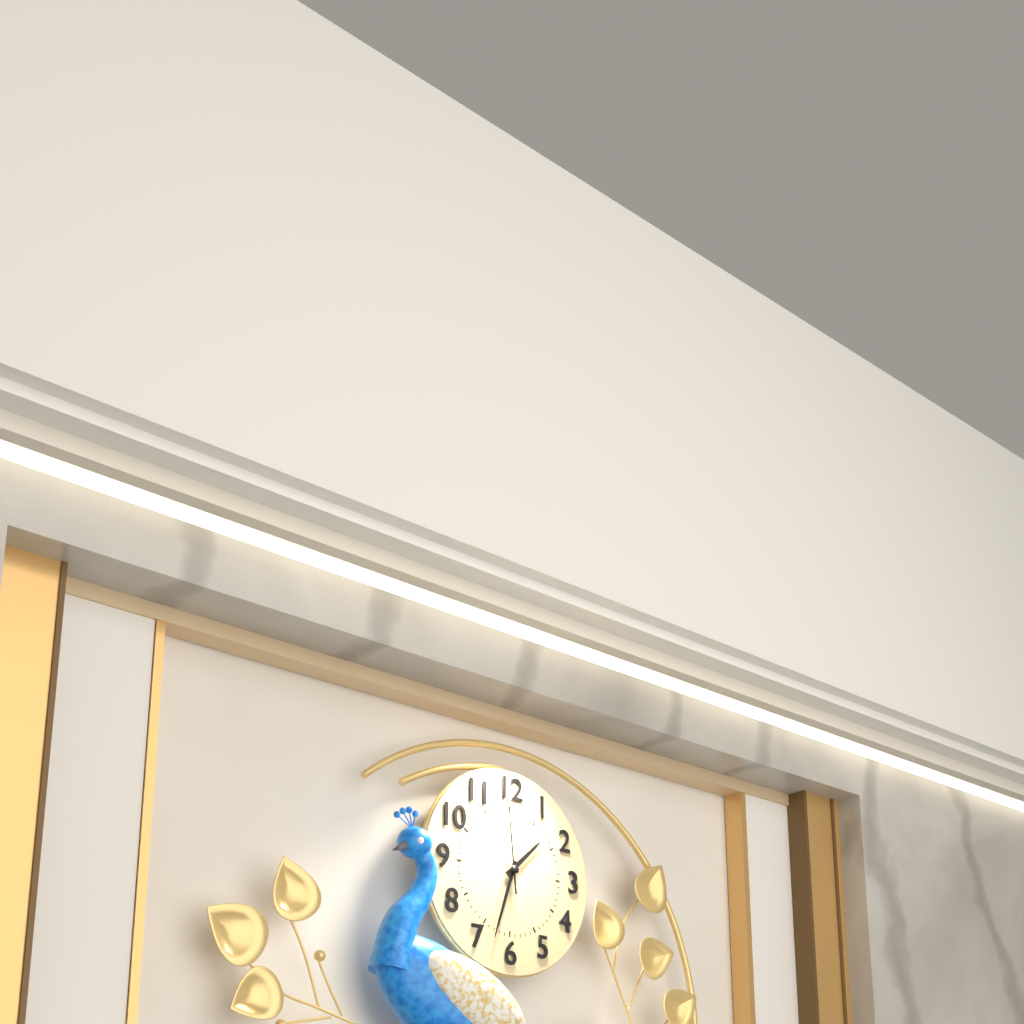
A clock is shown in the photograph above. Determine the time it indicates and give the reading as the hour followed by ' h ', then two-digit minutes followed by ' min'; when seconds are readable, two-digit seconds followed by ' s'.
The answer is 1 h 33 min 59 s
